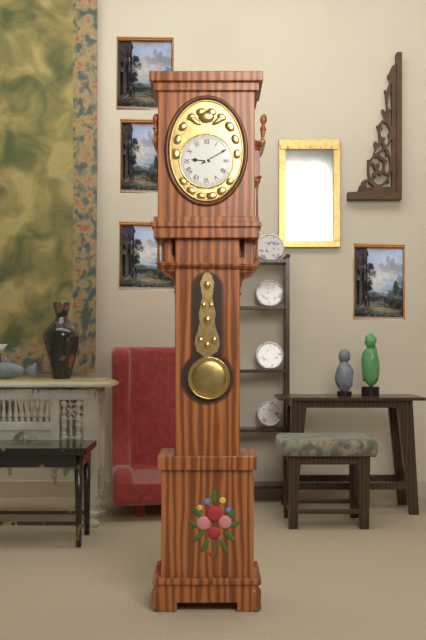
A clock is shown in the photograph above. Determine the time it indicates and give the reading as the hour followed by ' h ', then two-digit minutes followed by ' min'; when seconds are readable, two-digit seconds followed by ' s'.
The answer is 9 h 10 min
